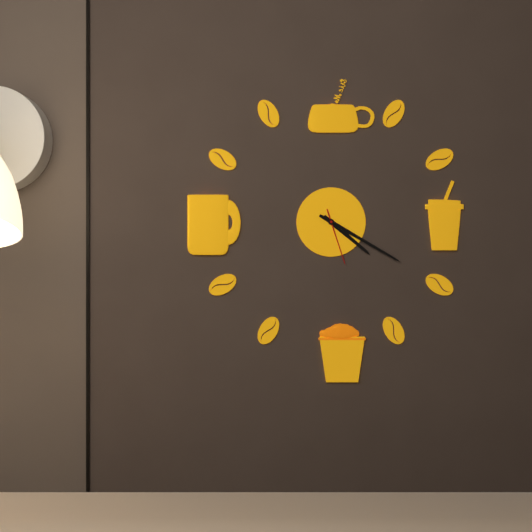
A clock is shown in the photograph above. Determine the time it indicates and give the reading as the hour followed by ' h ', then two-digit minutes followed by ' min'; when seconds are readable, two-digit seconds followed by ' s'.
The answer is 4 h 20 min 27 s
